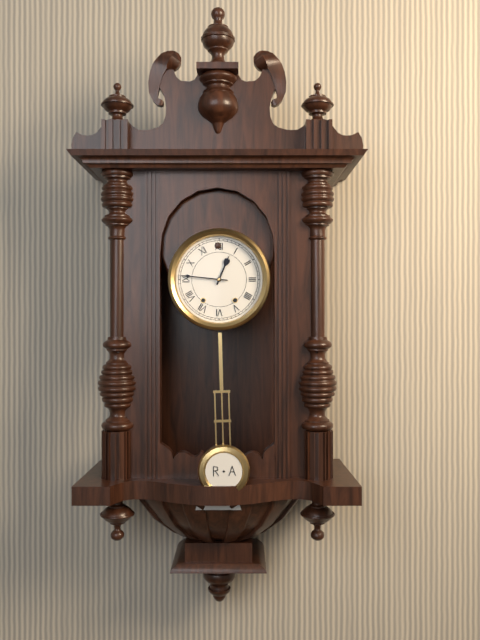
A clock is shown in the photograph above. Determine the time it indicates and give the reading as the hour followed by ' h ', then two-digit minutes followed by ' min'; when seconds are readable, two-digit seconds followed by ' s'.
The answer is 12 h 46 min
